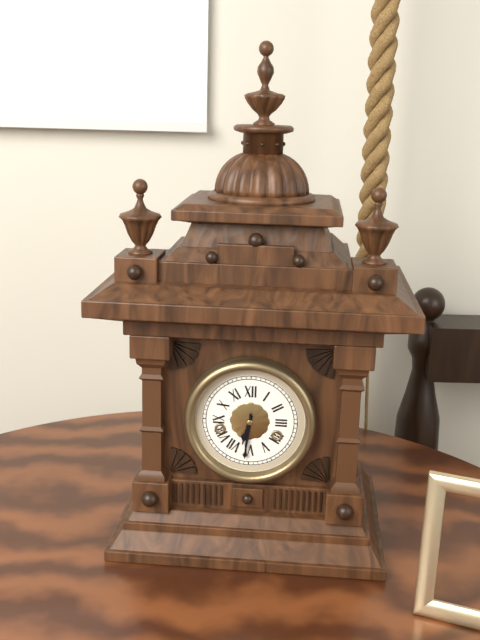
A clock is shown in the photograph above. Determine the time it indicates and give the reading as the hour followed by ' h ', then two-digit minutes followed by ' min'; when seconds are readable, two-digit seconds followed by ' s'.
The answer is 6 h 31 min
